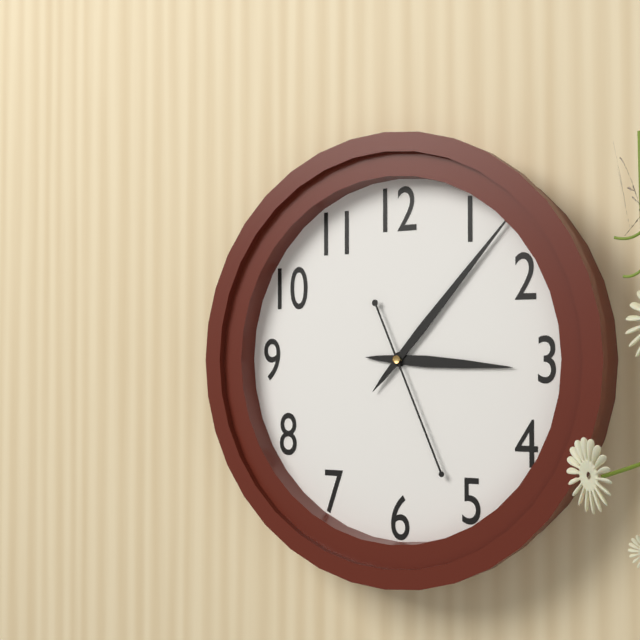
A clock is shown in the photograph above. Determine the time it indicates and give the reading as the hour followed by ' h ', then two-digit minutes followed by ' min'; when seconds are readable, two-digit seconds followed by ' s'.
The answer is 3 h 07 min 26 s
